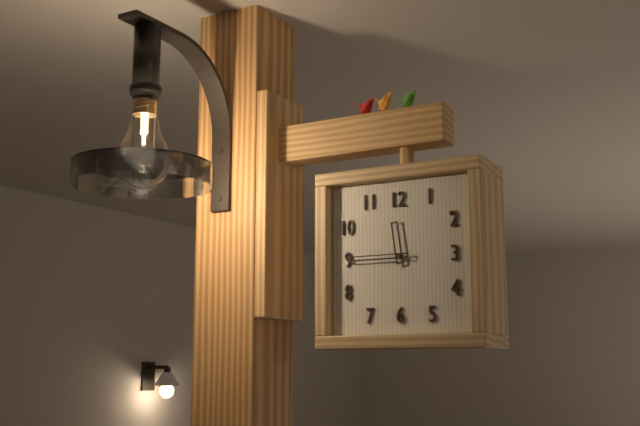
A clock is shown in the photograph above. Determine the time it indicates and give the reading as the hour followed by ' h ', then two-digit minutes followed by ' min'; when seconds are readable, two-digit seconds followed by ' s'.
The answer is 11 h 45 min
